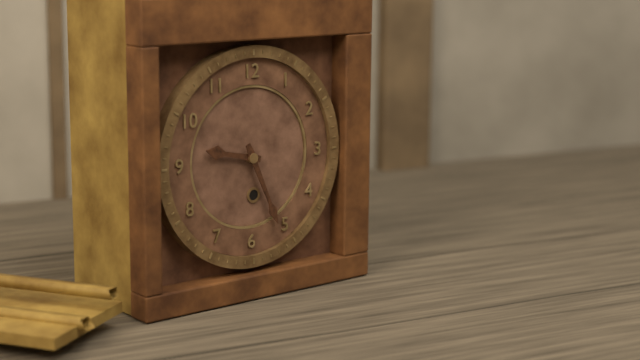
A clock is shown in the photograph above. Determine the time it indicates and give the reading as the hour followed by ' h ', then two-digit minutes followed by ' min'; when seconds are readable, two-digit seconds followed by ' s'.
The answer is 9 h 26 min
